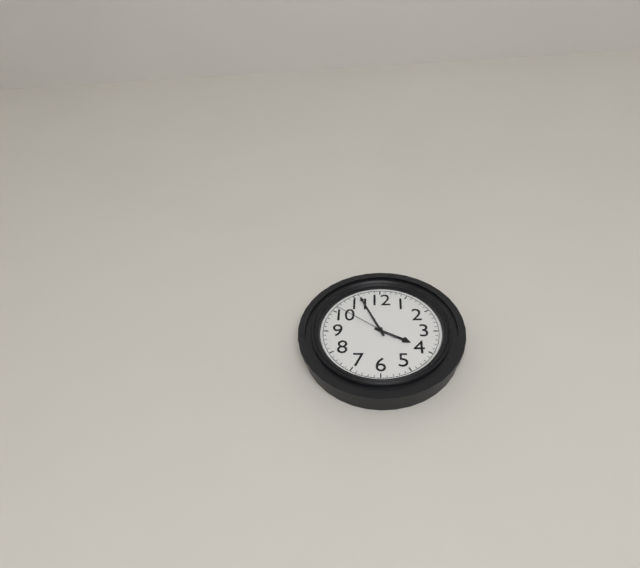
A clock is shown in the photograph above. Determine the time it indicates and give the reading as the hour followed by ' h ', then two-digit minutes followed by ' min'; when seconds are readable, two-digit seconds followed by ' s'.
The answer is 3 h 56 min 51 s
